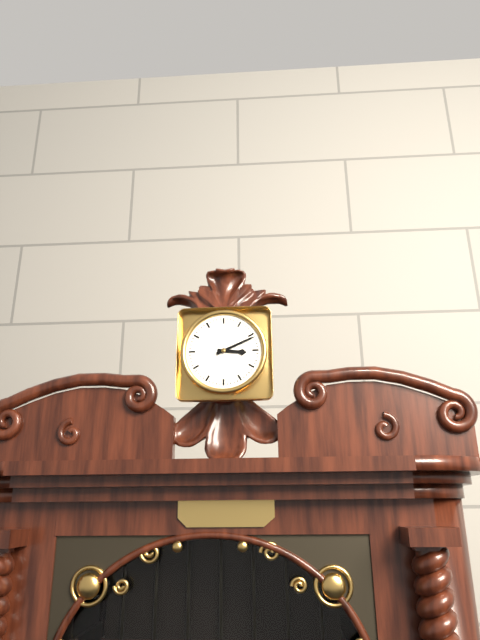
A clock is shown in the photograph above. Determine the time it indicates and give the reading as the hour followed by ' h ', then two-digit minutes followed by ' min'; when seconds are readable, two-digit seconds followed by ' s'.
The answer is 3 h 11 min
